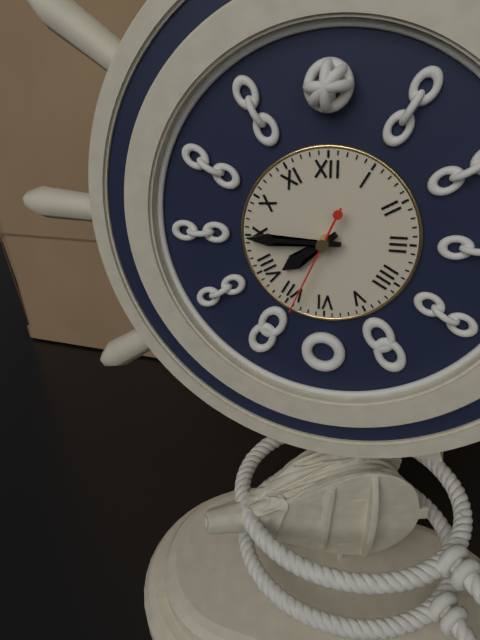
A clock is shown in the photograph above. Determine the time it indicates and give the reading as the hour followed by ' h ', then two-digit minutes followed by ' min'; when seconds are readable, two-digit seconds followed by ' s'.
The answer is 7 h 45 min 34 s
